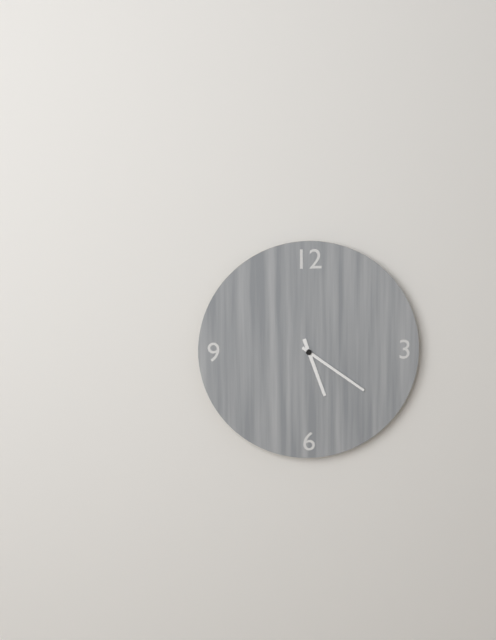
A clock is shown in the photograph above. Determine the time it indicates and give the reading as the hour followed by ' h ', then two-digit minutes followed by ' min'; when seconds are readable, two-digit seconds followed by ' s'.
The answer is 5 h 21 min
